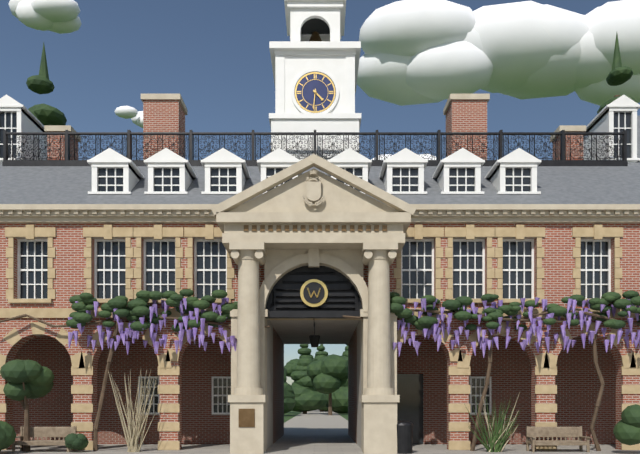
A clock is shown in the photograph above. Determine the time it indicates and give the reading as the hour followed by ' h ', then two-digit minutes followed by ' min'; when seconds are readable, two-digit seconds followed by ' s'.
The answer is 4 h 31 min
